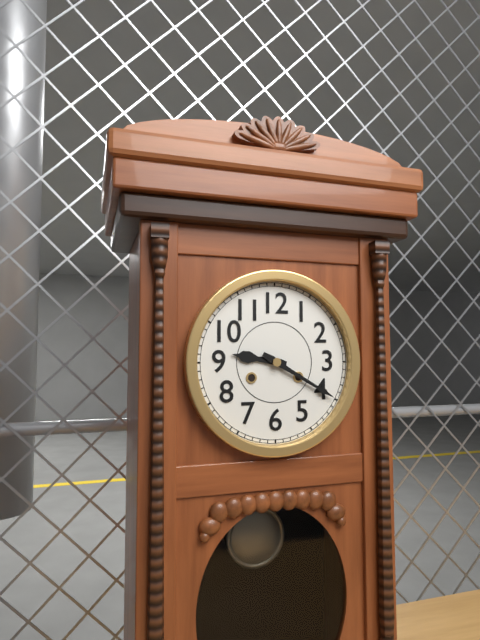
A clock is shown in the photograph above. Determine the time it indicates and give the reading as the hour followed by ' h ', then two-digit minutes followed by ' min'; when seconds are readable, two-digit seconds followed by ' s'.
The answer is 9 h 20 min
